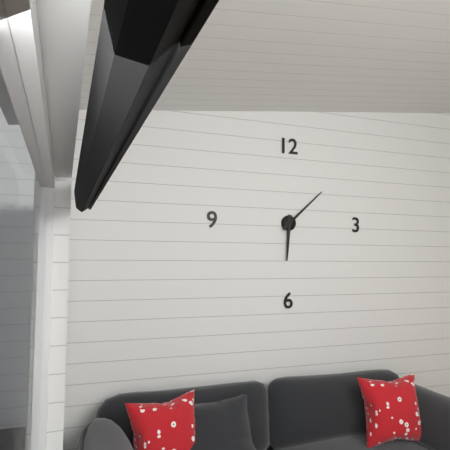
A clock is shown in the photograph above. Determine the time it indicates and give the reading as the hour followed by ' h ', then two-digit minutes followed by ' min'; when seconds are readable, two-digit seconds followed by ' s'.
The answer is 6 h 08 min
